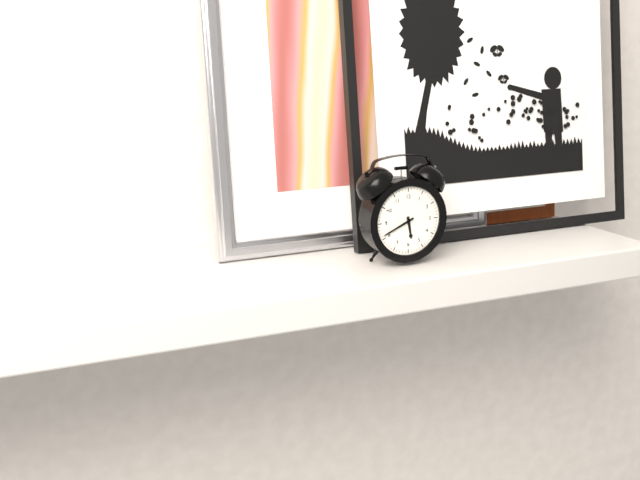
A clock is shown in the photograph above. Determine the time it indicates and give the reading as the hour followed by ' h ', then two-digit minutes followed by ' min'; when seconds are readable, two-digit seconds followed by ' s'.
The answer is 5 h 41 min
